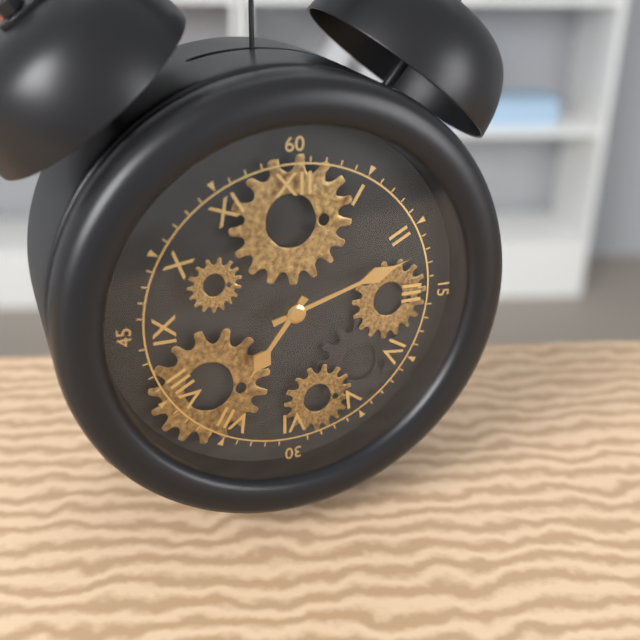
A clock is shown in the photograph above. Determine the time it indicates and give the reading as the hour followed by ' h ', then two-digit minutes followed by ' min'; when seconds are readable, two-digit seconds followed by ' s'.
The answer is 7 h 12 min
